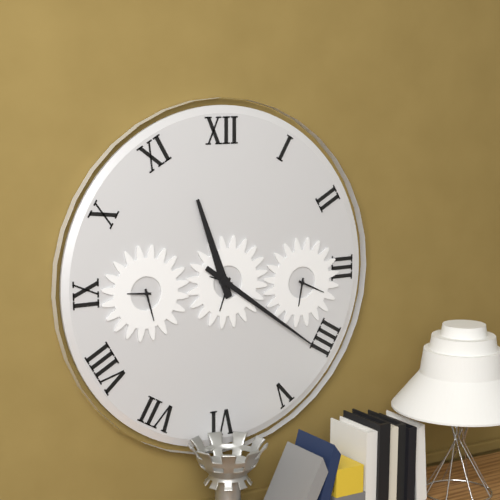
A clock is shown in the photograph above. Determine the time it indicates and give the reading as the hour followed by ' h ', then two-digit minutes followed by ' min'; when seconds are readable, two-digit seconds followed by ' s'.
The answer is 11 h 21 min
